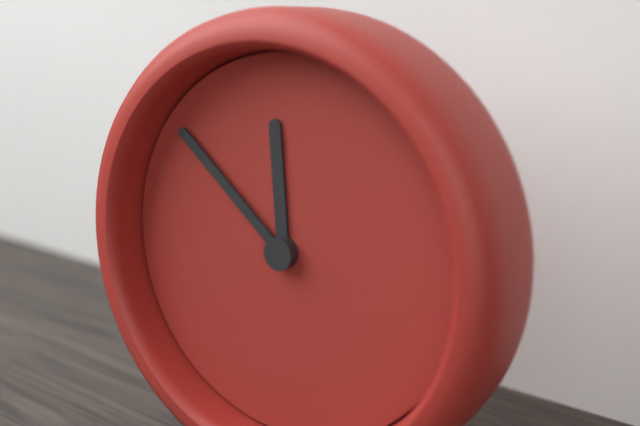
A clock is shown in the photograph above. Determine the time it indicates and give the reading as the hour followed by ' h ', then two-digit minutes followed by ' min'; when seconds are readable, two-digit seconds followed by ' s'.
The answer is 11 h 52 min
